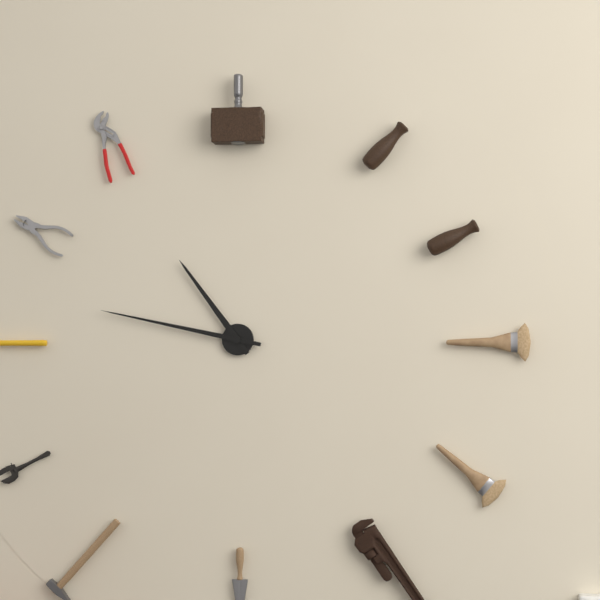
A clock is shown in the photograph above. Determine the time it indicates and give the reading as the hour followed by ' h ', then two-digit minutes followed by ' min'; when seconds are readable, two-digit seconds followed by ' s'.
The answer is 10 h 47 min
